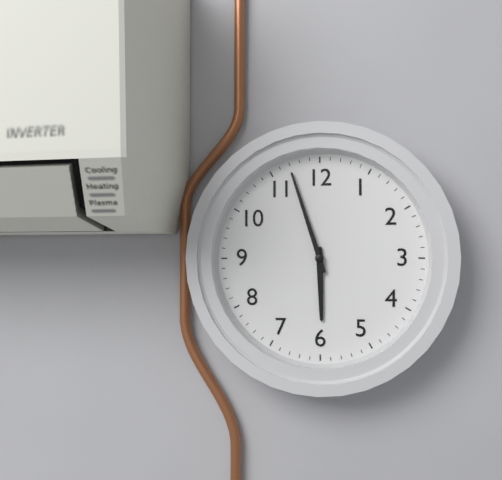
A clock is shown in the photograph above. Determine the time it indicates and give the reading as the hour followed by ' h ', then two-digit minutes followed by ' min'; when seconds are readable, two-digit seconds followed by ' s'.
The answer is 5 h 57 min
